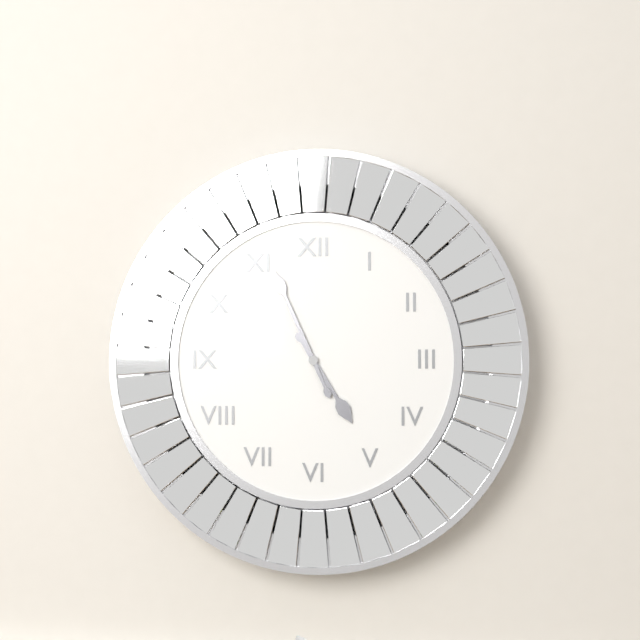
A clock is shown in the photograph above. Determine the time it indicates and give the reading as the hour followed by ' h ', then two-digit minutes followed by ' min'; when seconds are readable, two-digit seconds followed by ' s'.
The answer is 4 h 56 min
